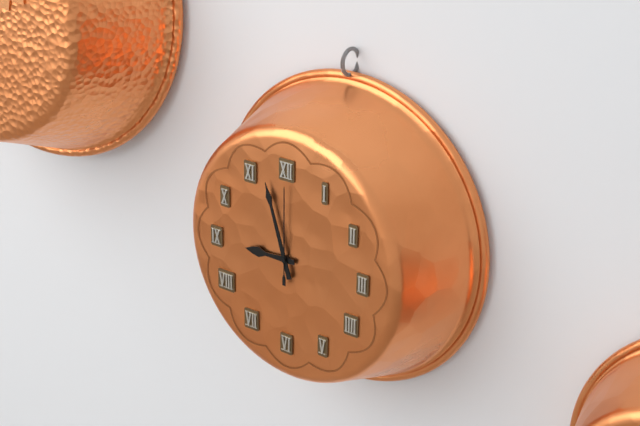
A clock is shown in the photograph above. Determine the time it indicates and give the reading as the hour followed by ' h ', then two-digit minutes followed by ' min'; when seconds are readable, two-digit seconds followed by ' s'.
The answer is 8 h 57 min 00 s
